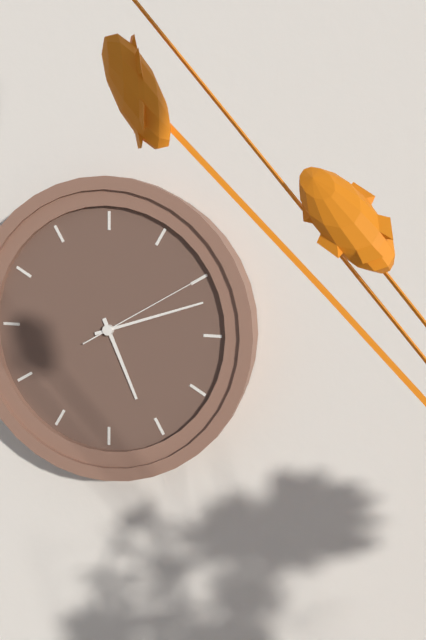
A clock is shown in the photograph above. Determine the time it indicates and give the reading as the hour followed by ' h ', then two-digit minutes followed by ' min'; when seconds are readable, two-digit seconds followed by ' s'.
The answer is 5 h 12 min 10 s
